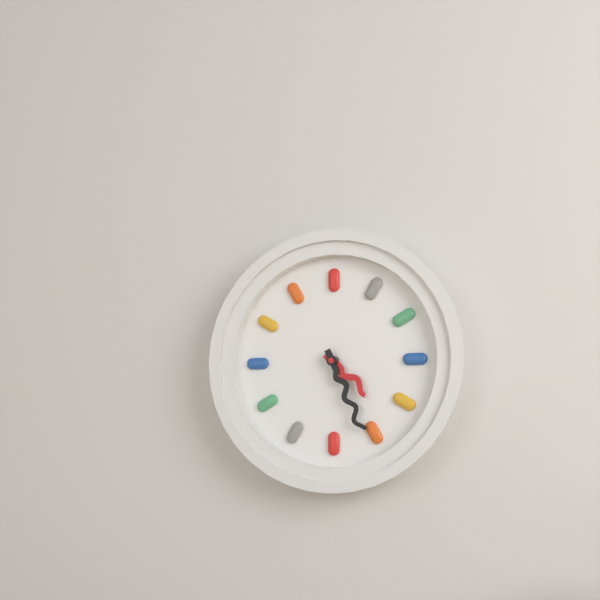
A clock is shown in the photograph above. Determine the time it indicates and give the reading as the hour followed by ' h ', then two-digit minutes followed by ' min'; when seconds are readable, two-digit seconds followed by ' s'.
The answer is 4 h 26 min
